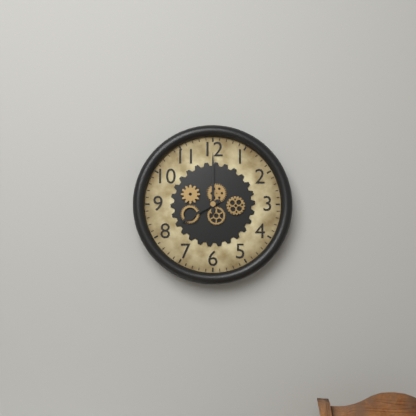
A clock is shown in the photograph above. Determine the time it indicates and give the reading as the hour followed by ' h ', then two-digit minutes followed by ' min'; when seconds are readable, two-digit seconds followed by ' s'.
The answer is 8 h 00 min
